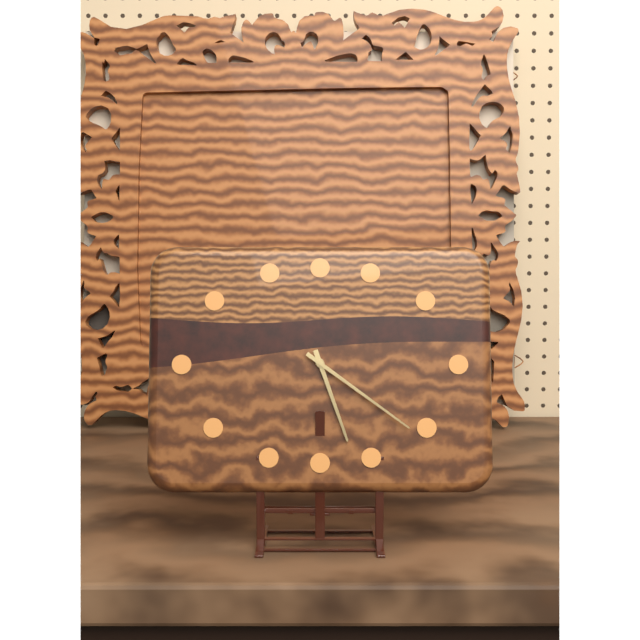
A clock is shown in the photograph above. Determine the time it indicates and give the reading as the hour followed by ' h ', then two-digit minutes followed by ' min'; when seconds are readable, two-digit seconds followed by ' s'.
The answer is 5 h 21 min
